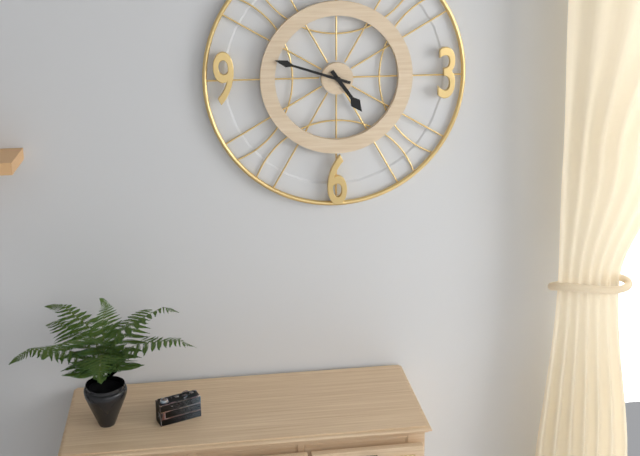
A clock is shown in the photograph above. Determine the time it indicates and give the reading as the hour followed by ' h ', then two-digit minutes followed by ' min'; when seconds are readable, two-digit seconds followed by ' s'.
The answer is 4 h 48 min
